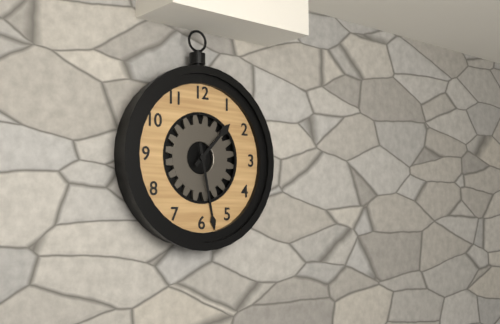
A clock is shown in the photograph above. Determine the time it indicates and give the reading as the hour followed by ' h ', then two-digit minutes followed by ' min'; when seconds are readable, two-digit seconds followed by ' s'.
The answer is 1 h 28 min
